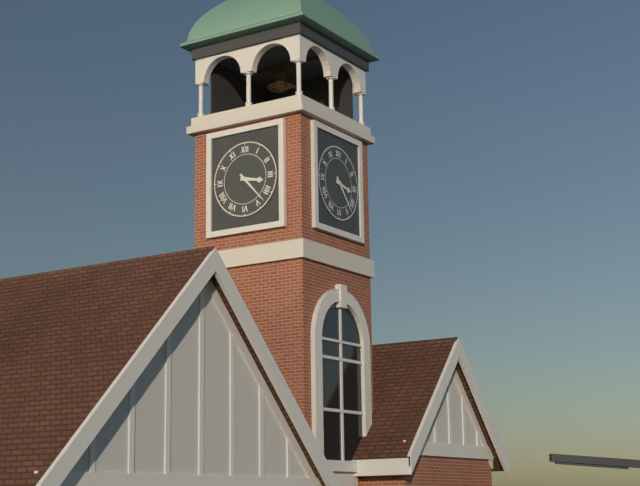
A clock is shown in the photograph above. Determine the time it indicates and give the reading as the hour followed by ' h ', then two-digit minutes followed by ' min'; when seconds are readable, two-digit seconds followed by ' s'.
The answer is 3 h 23 min
